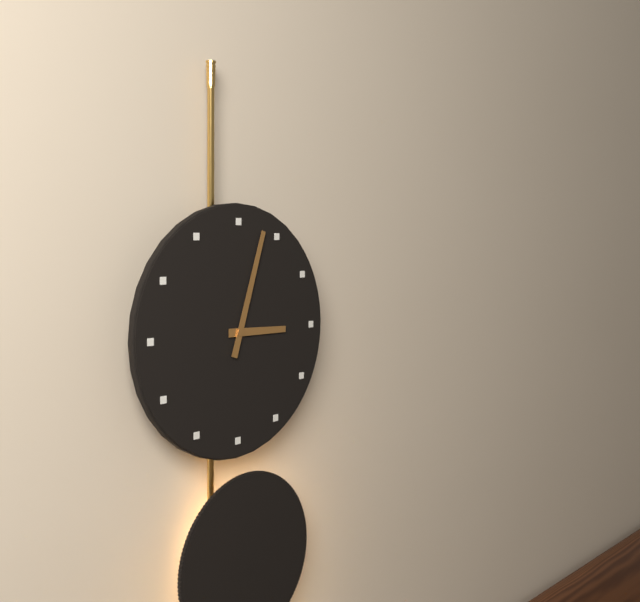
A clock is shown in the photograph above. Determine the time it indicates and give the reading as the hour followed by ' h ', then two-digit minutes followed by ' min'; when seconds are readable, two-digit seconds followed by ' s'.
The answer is 3 h 03 min
